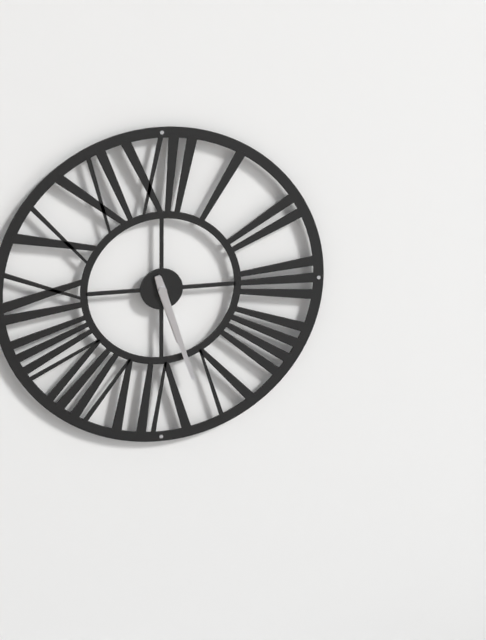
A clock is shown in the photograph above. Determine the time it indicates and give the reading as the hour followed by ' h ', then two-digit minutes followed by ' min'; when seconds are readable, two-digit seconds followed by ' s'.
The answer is 5 h 27 min
